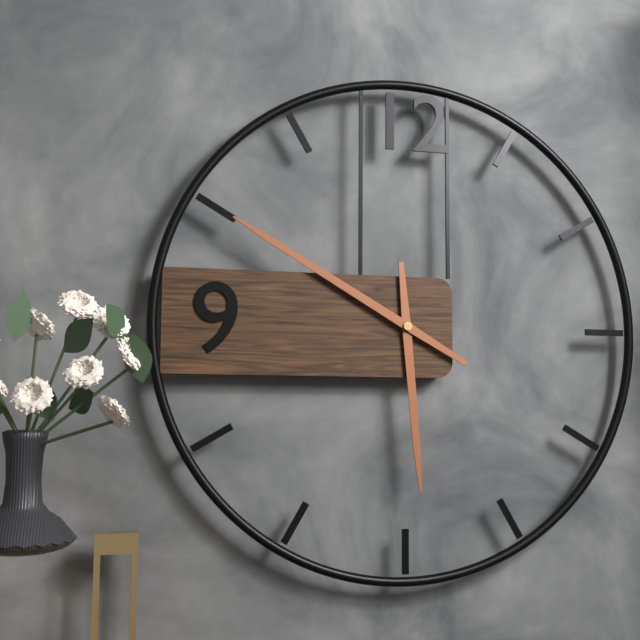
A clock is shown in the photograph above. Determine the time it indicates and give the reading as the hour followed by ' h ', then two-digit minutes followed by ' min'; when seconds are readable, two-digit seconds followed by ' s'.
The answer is 5 h 50 min
